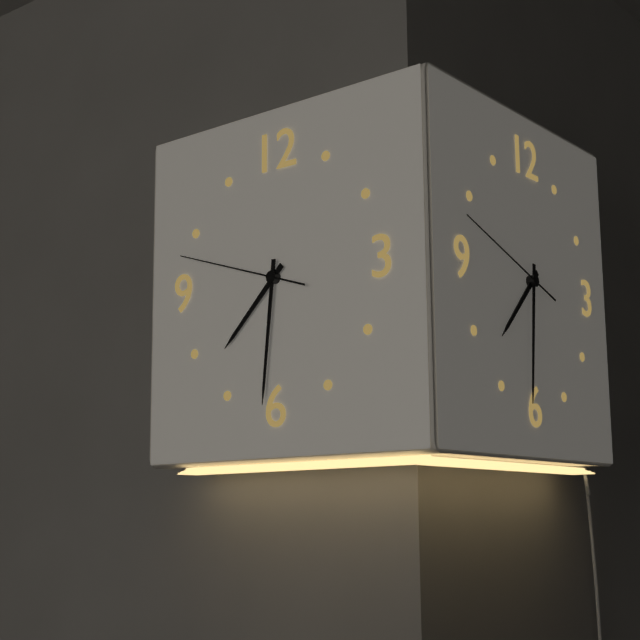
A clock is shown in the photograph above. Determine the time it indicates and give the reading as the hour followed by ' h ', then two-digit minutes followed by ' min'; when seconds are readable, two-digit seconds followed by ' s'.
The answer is 7 h 31 min 48 s
